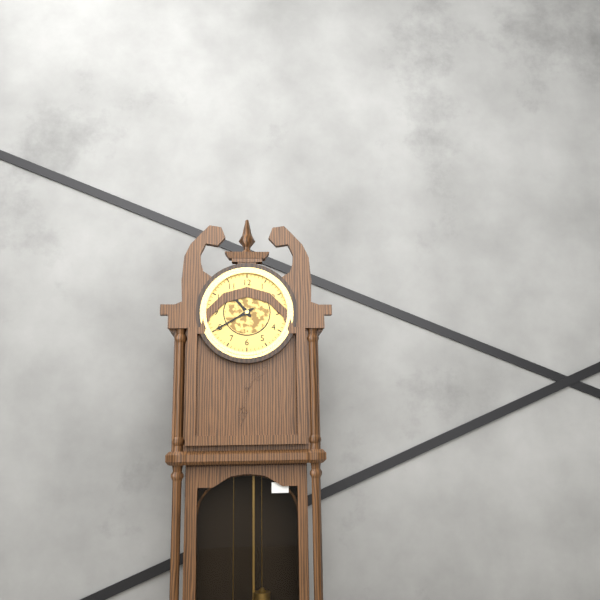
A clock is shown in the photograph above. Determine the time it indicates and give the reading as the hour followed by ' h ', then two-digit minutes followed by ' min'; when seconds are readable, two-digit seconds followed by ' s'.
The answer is 10 h 40 min
